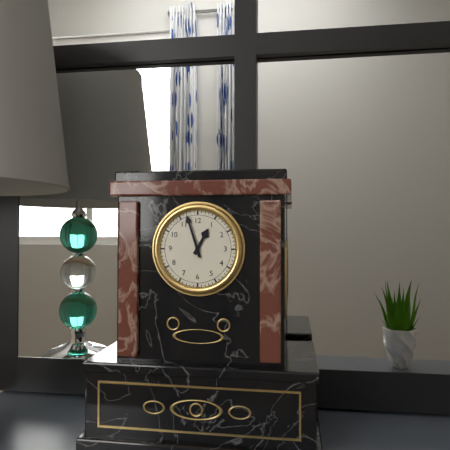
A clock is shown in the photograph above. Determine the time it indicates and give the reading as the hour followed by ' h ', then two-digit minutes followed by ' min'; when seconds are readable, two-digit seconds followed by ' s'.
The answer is 12 h 57 min
